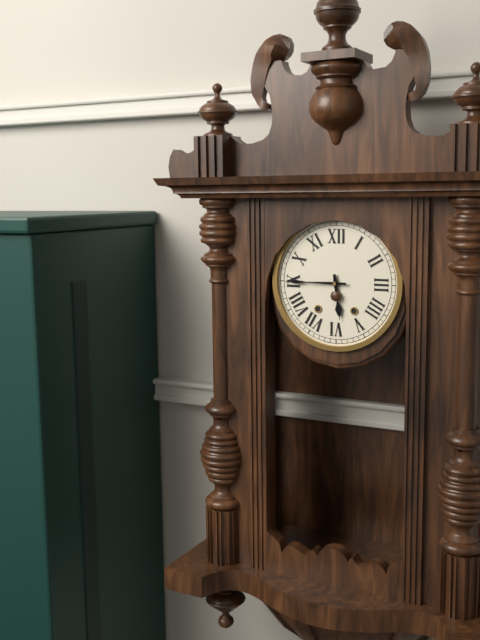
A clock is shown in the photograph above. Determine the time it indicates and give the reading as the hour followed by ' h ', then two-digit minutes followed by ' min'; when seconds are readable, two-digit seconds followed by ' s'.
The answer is 5 h 45 min
